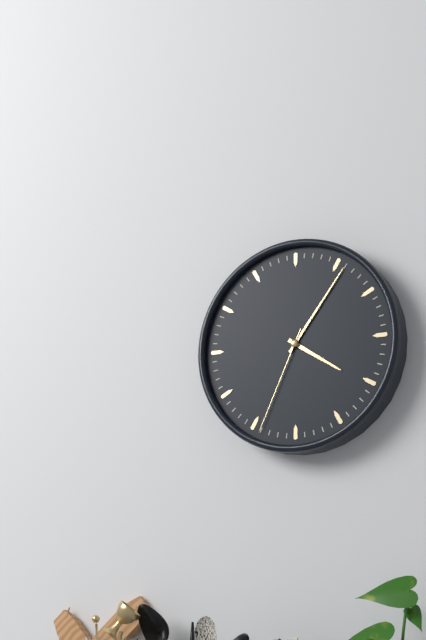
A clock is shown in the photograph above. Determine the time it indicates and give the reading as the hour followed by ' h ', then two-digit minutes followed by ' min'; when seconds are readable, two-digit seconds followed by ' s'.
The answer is 4 h 06 min 34 s
